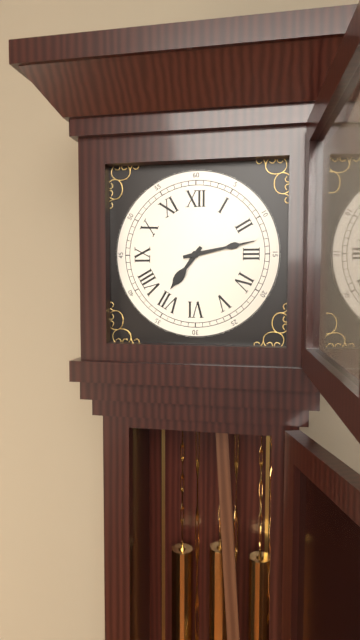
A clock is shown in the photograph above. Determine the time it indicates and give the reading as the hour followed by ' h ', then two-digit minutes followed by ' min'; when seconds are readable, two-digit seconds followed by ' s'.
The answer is 7 h 13 min
